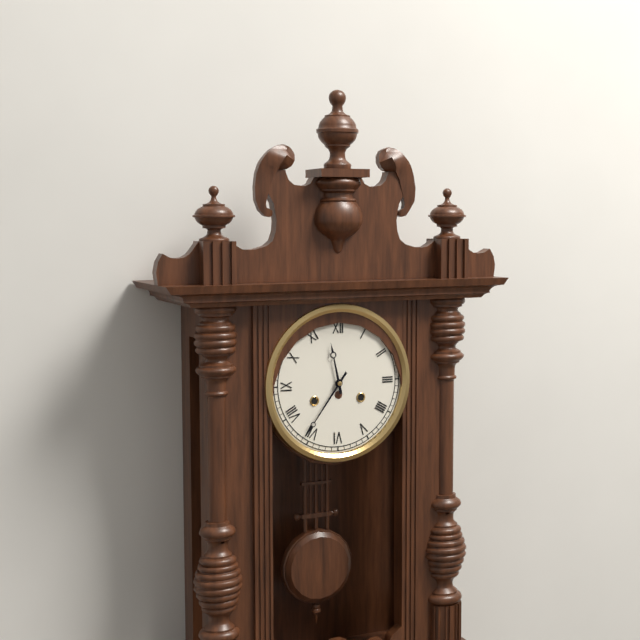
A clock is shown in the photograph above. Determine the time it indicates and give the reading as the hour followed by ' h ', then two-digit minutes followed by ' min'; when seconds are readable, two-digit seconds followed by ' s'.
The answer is 11 h 36 min
